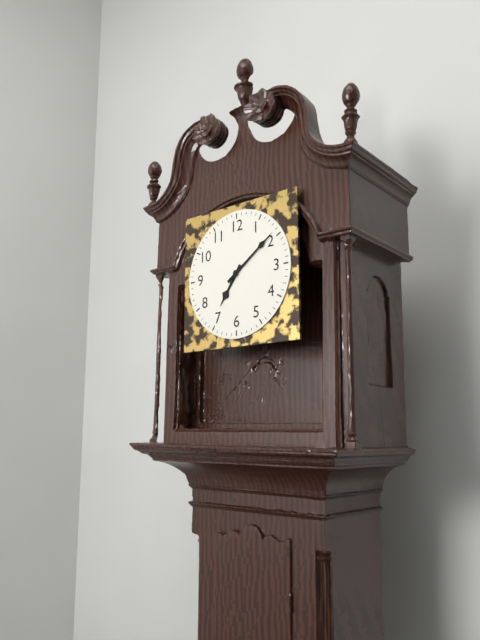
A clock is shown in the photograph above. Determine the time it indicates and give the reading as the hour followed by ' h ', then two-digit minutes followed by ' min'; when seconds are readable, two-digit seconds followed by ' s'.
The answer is 7 h 09 min
